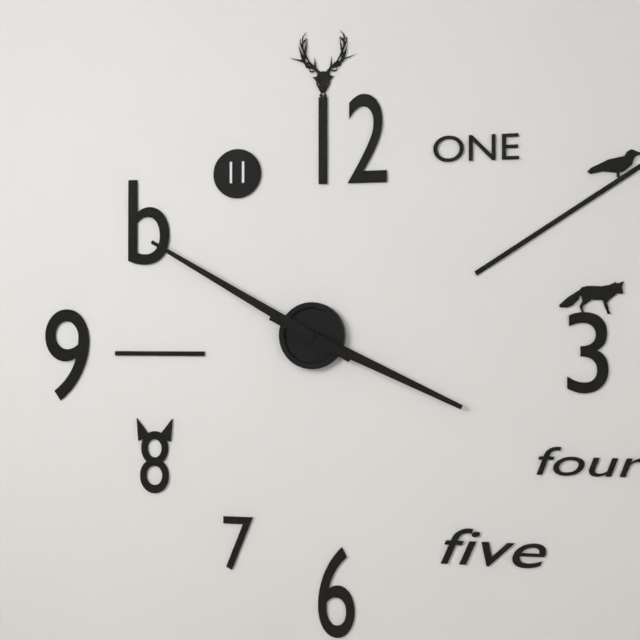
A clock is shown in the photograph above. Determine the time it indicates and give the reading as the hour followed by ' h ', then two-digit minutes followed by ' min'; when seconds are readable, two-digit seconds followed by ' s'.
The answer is 3 h 50 min
